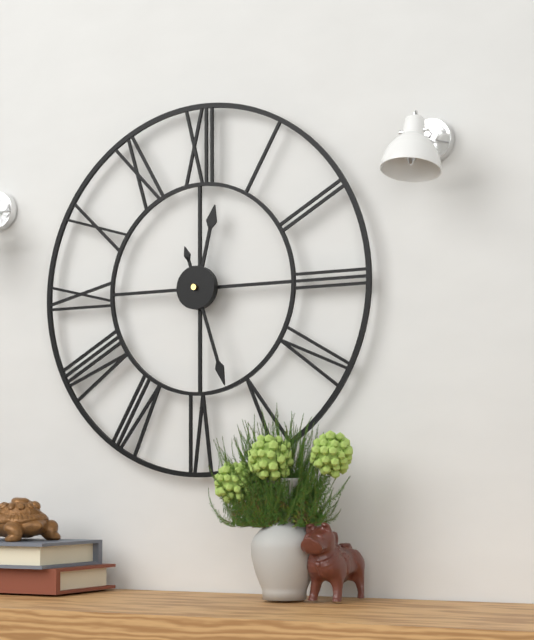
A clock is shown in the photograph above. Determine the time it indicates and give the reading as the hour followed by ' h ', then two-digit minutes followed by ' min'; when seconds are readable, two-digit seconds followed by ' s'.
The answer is 12 h 27 min
